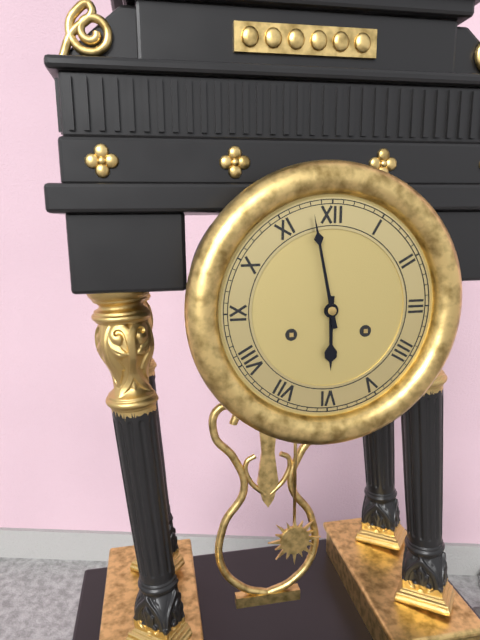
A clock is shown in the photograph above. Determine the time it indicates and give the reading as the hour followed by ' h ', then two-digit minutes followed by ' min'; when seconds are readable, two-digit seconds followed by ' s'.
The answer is 5 h 58 min
